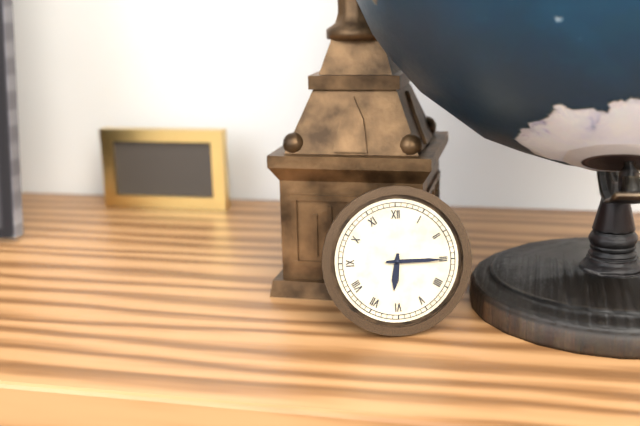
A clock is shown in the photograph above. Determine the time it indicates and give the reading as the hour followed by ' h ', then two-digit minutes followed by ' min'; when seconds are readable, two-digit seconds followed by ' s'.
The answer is 6 h 15 min
